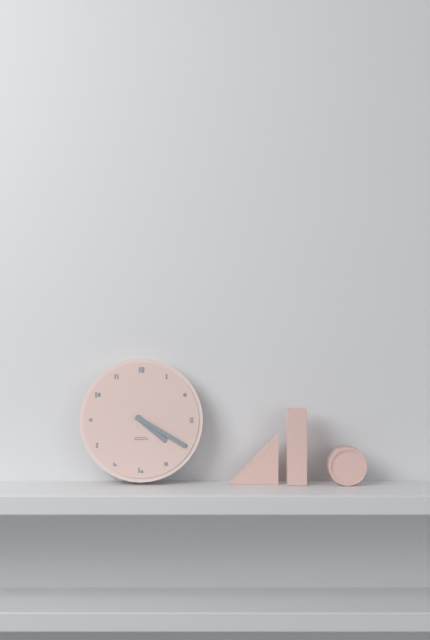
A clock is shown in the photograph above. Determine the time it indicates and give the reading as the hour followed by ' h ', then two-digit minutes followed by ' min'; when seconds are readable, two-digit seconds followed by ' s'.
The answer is 4 h 20 min
